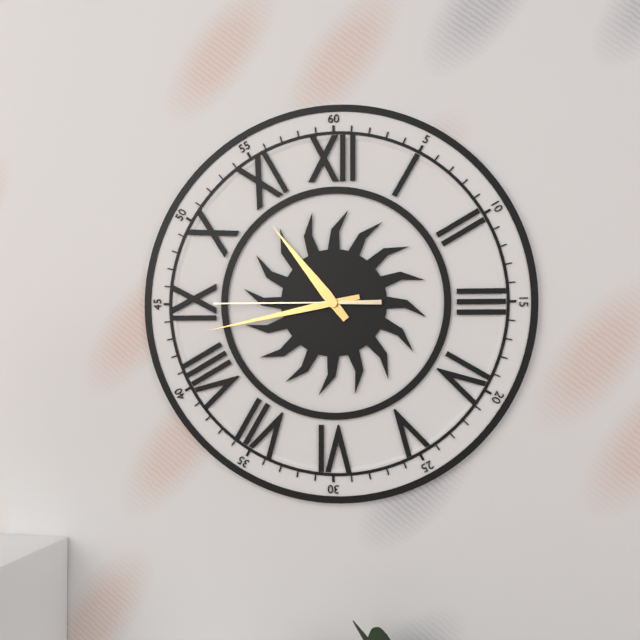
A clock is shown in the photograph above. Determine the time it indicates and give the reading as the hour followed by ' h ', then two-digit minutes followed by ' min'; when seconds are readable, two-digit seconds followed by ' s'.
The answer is 10 h 43 min 45 s
